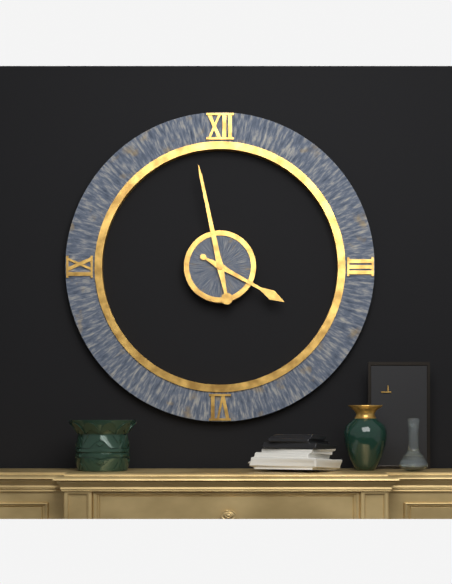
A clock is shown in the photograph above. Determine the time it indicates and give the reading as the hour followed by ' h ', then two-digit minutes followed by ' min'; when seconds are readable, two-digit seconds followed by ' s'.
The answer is 3 h 58 min
